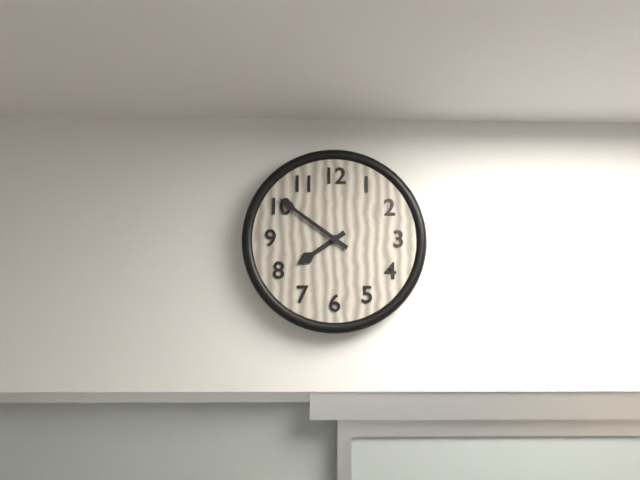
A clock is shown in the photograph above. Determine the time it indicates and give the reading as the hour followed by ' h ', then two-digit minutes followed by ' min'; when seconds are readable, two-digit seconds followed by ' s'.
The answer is 7 h 51 min
